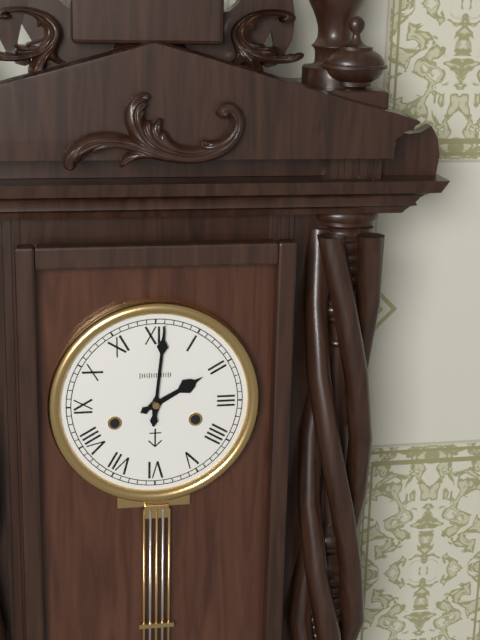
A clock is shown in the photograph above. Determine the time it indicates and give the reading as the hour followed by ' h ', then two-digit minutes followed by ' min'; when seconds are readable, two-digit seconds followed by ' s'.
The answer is 2 h 01 min
